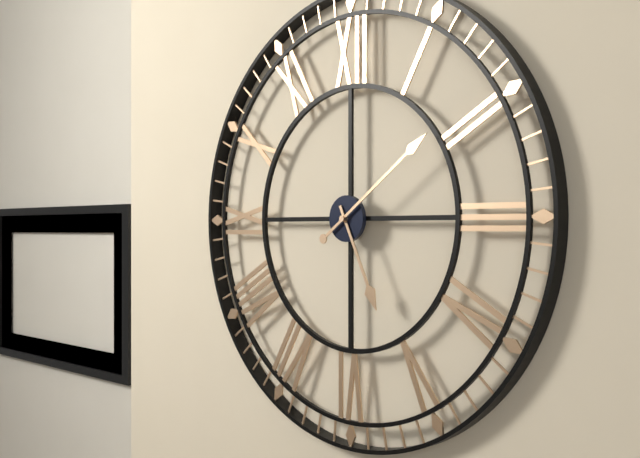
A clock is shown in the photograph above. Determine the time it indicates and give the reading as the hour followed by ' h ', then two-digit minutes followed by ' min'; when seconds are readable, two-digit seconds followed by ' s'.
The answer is 5 h 09 min
